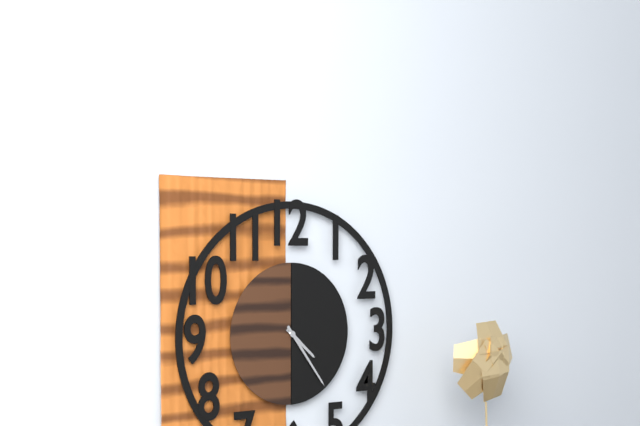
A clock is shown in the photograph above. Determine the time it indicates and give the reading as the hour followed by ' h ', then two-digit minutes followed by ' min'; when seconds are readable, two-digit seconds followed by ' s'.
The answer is 4 h 24 min
